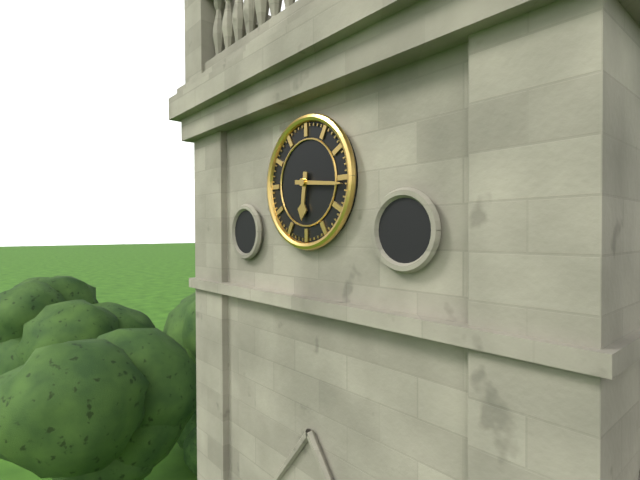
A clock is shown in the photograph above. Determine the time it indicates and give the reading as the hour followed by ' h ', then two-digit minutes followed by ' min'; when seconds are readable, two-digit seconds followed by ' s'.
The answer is 6 h 16 min
